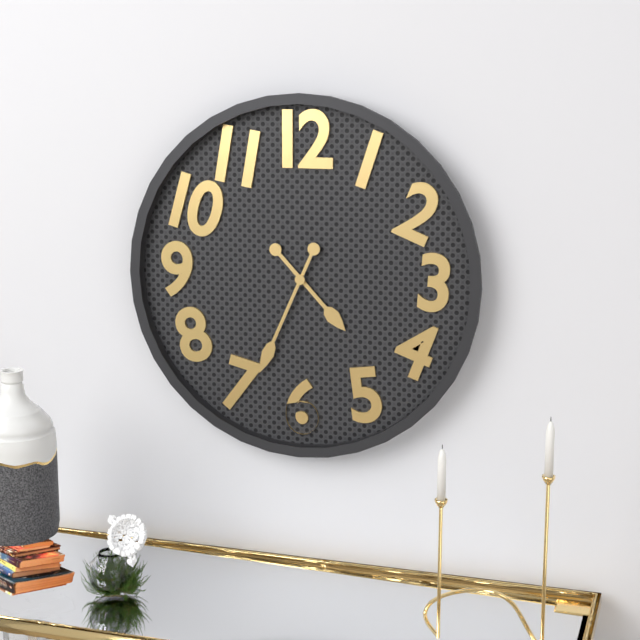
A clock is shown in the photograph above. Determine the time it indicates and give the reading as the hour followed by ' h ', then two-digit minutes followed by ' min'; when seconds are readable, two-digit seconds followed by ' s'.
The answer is 4 h 34 min
